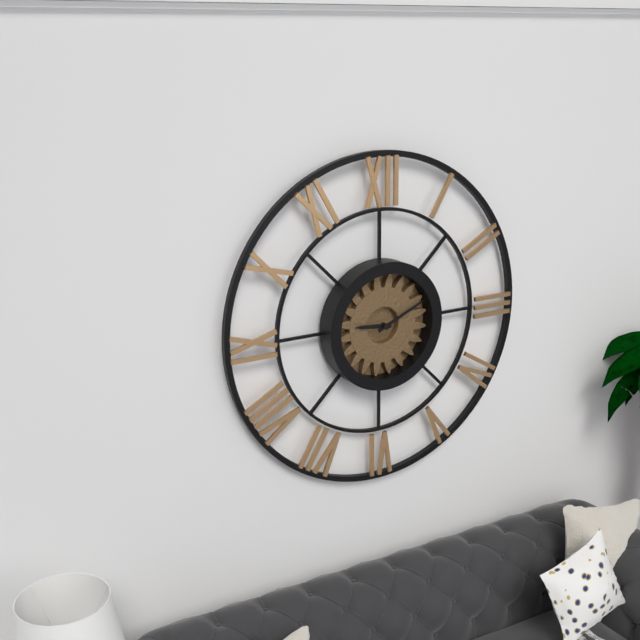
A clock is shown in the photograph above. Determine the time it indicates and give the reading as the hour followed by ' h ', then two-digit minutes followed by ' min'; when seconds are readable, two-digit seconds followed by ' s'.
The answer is 9 h 11 min
